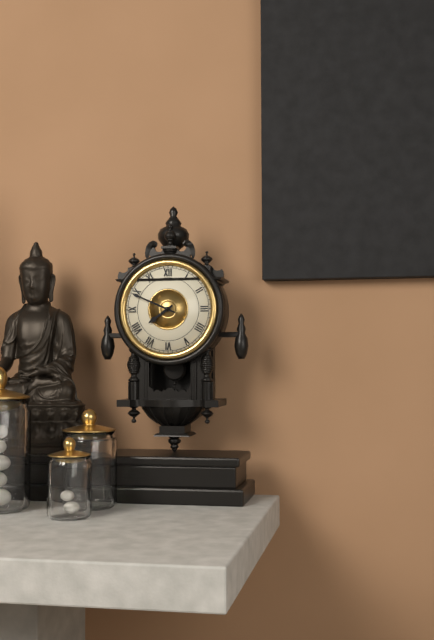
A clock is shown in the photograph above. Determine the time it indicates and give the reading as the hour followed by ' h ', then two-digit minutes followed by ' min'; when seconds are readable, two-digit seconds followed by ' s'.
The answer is 7 h 49 min
